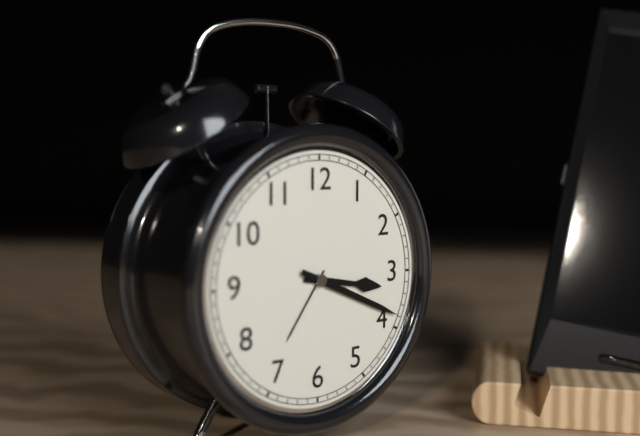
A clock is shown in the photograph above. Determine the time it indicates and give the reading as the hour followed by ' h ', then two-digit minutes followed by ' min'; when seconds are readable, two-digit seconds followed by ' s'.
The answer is 3 h 19 min
